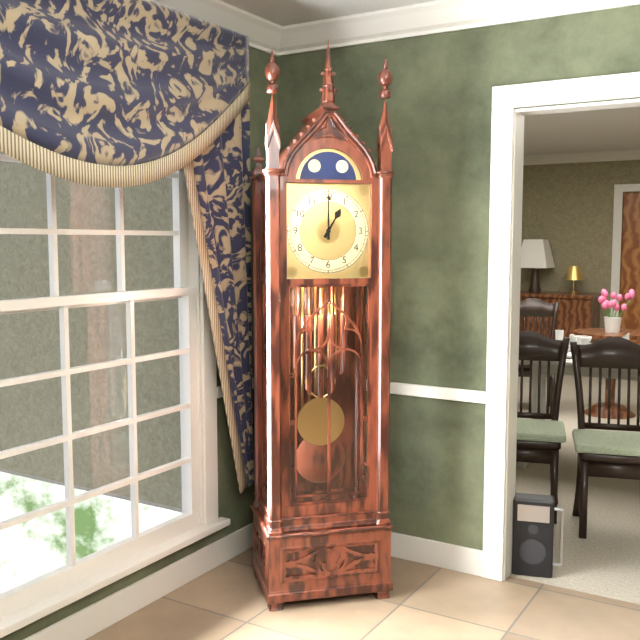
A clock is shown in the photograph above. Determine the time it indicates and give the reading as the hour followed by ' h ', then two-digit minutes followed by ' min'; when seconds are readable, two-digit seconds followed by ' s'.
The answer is 1 h 00 min
